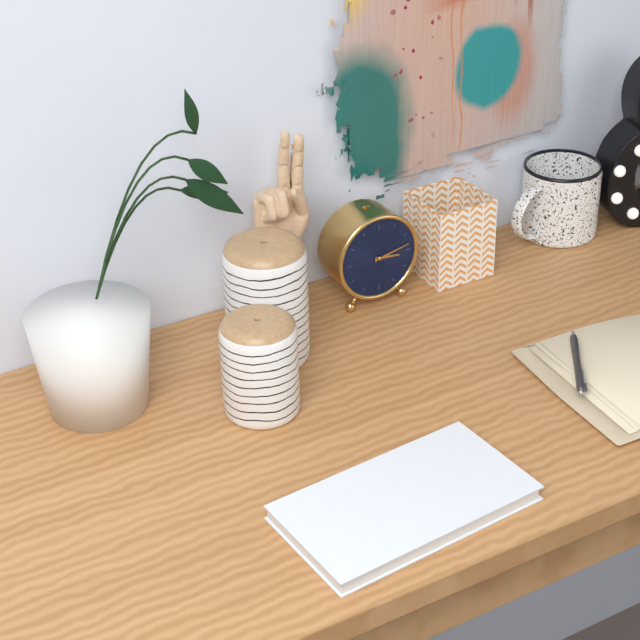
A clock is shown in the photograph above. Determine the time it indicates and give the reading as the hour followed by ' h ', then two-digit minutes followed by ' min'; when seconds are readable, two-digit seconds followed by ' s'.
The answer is 3 h 13 min
